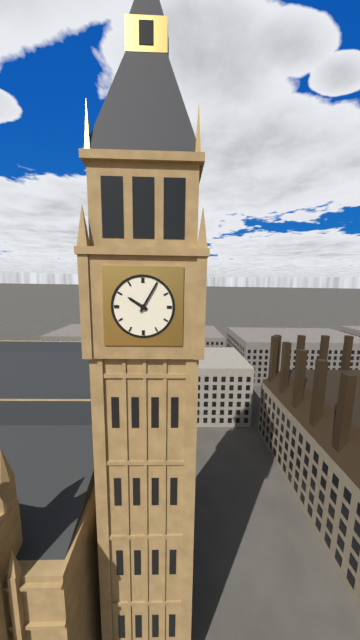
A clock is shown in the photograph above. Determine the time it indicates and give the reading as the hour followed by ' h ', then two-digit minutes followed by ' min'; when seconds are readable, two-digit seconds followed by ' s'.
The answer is 10 h 05 min
